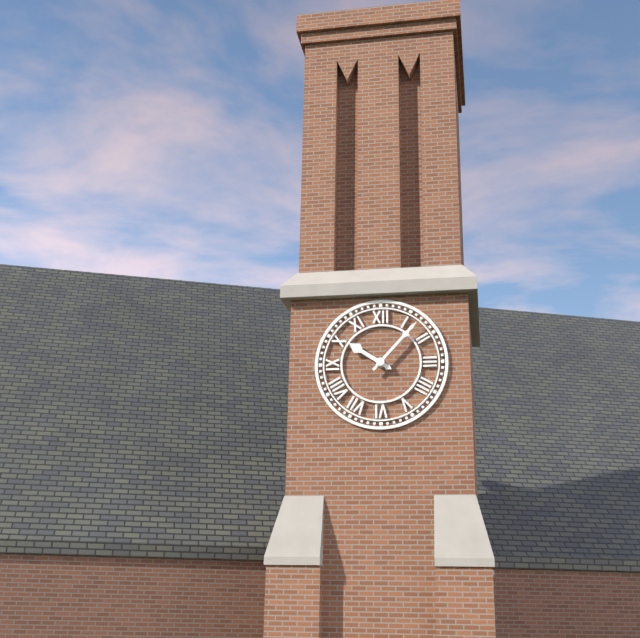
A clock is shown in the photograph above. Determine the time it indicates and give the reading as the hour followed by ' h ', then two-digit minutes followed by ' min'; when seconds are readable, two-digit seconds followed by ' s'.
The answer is 10 h 07 min
